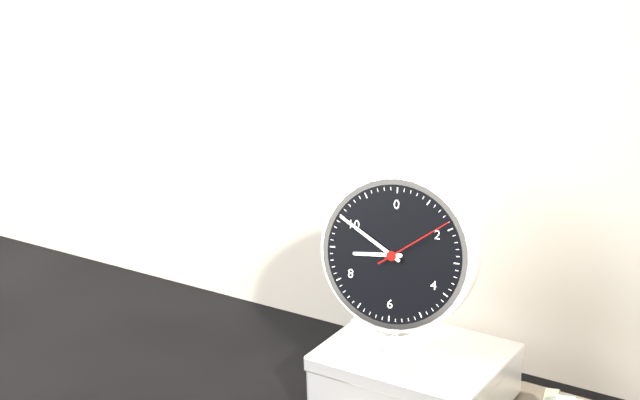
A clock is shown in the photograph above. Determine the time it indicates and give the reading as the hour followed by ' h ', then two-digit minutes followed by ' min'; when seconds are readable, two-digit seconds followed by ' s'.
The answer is 8 h 50 min 09 s
